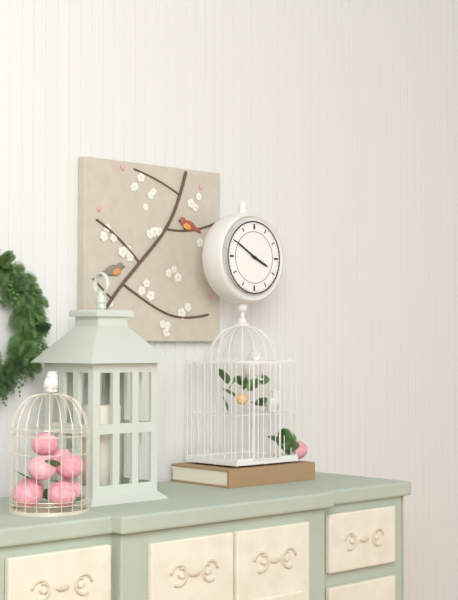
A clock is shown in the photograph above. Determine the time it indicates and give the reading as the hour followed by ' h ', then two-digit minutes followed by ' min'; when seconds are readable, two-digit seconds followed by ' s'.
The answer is 3 h 50 min
